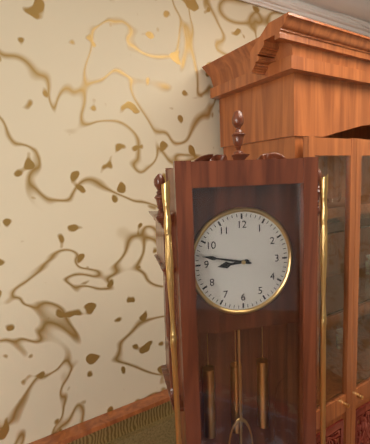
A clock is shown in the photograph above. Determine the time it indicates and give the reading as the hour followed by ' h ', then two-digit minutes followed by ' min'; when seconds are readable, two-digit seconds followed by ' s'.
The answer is 8 h 47 min
